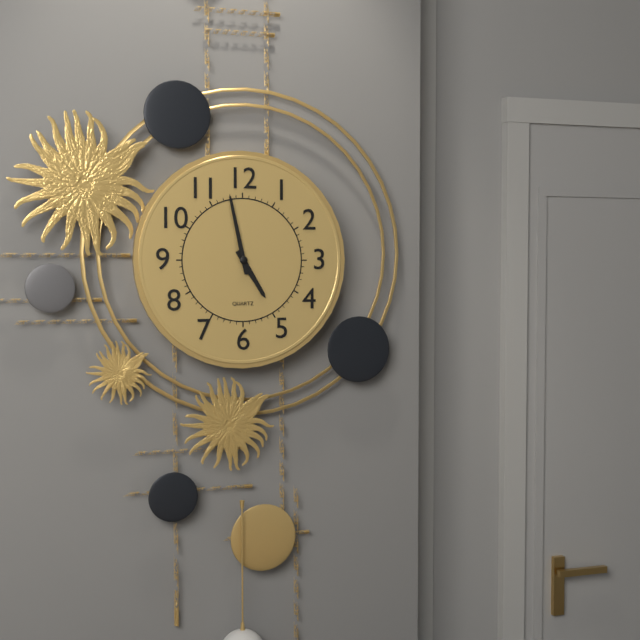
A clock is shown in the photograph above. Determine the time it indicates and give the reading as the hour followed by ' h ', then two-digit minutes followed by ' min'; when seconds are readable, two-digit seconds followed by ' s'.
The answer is 4 h 58 min
